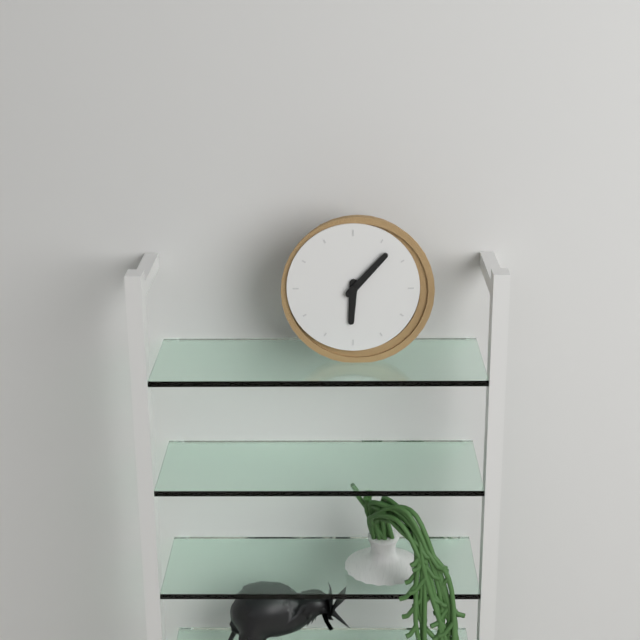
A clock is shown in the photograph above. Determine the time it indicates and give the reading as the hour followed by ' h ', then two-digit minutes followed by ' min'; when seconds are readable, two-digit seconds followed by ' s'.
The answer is 6 h 07 min
